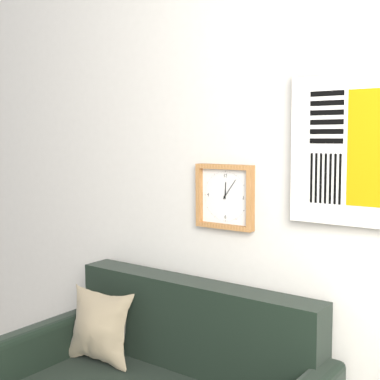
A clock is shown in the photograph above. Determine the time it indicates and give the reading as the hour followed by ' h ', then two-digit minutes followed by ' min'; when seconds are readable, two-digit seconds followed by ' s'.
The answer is 12 h 06 min
